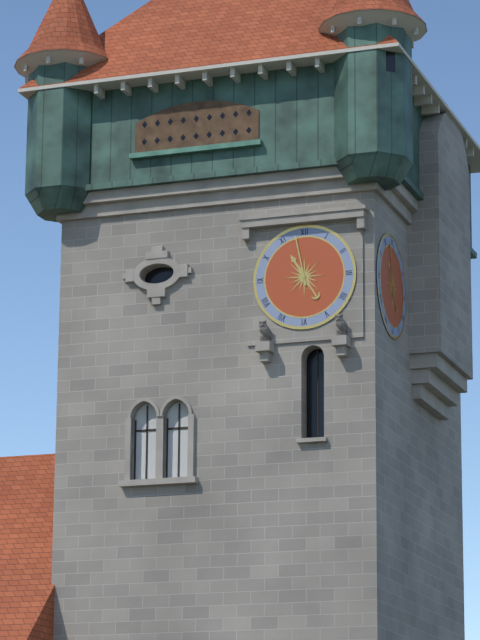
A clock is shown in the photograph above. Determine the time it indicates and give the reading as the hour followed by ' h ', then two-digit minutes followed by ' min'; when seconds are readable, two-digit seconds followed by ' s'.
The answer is 10 h 58 min
